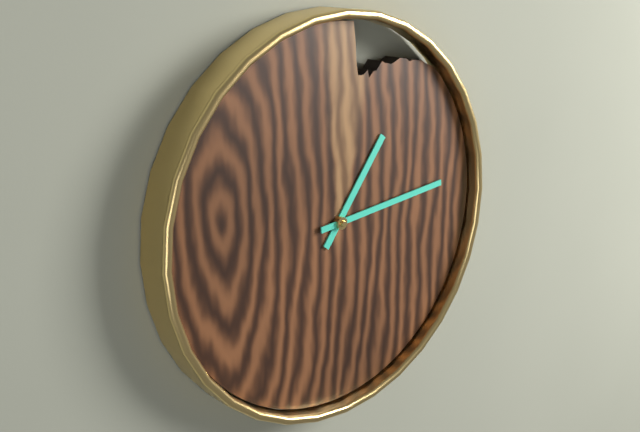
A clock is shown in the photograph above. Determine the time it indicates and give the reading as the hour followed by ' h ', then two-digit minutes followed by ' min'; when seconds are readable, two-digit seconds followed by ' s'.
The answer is 1 h 14 min
